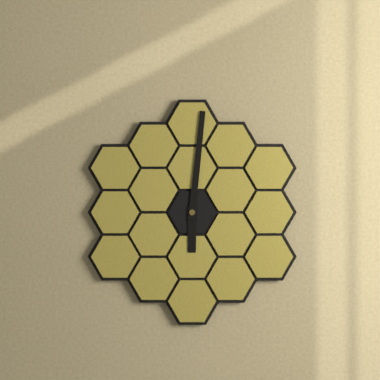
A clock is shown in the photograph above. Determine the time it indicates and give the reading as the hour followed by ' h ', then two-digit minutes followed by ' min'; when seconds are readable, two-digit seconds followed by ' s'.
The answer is 6 h 01 min
